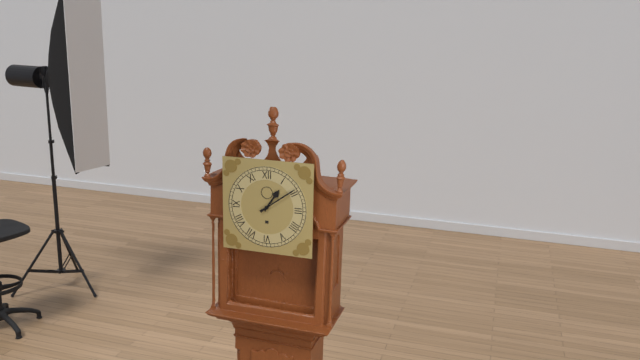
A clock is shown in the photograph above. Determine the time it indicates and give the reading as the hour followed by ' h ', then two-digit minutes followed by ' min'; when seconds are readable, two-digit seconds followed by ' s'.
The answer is 1 h 09 min
